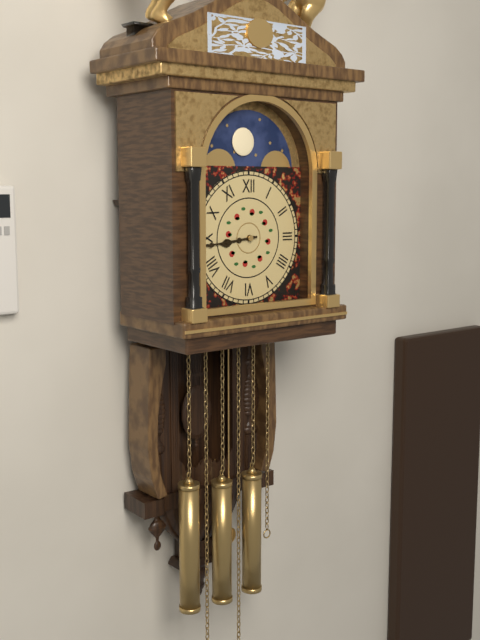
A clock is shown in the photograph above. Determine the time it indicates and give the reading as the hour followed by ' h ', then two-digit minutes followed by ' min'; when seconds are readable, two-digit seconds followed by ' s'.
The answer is 8 h 44 min
